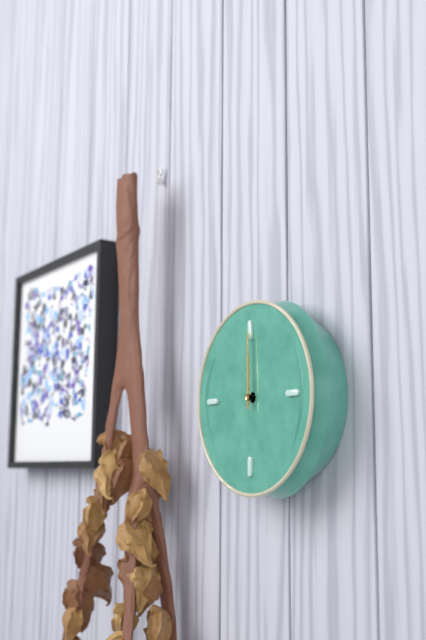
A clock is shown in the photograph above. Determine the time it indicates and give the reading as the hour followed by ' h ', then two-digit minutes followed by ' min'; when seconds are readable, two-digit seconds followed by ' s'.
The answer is 12 h 00 min
